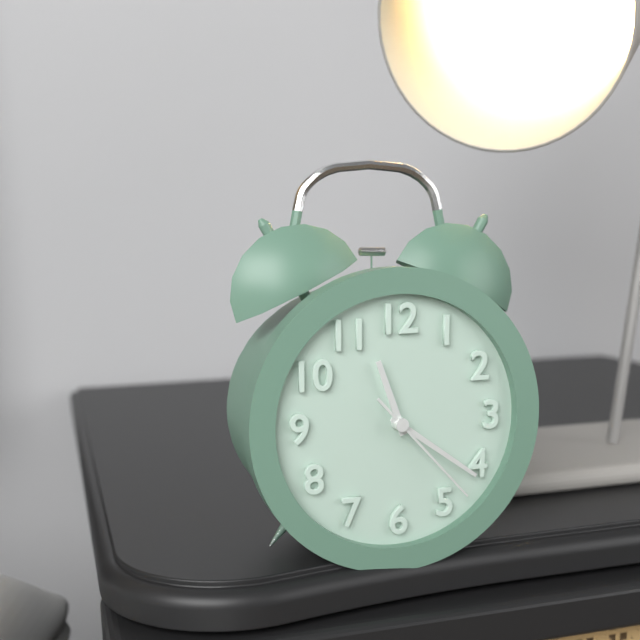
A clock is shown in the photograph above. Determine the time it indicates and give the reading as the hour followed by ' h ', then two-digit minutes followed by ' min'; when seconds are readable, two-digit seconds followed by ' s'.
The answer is 11 h 21 min 23 s
